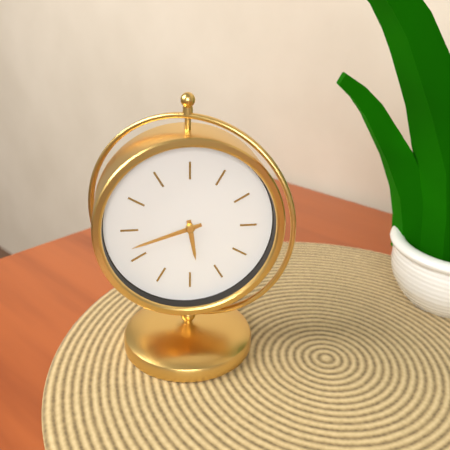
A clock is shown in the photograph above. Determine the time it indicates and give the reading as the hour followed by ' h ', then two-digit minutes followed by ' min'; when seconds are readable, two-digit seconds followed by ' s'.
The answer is 5 h 42 min
